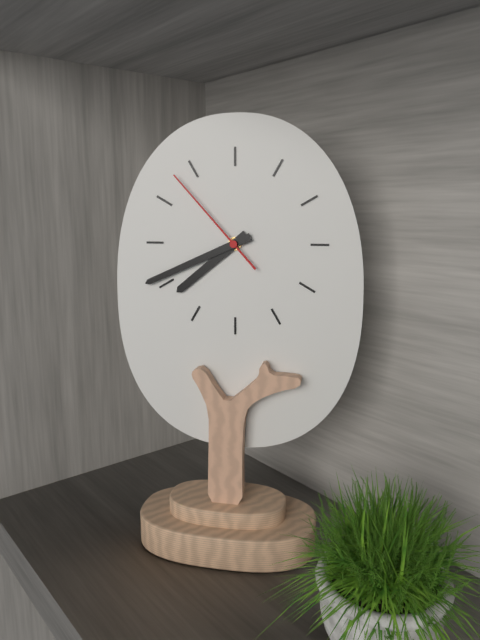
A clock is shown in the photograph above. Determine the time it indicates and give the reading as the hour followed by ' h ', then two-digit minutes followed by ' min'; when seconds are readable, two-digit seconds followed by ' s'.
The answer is 7 h 41 min 53 s
